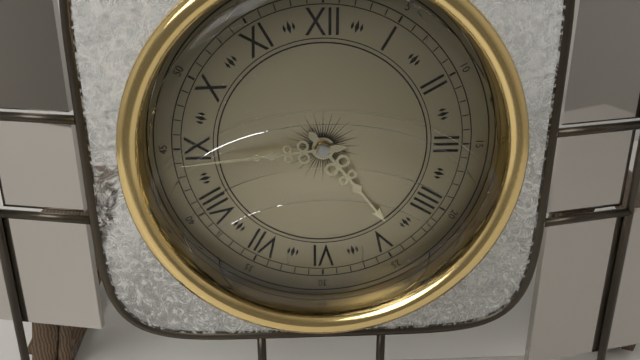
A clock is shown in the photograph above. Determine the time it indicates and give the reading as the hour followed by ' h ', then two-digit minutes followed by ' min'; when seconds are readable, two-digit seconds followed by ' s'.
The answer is 4 h 44 min
